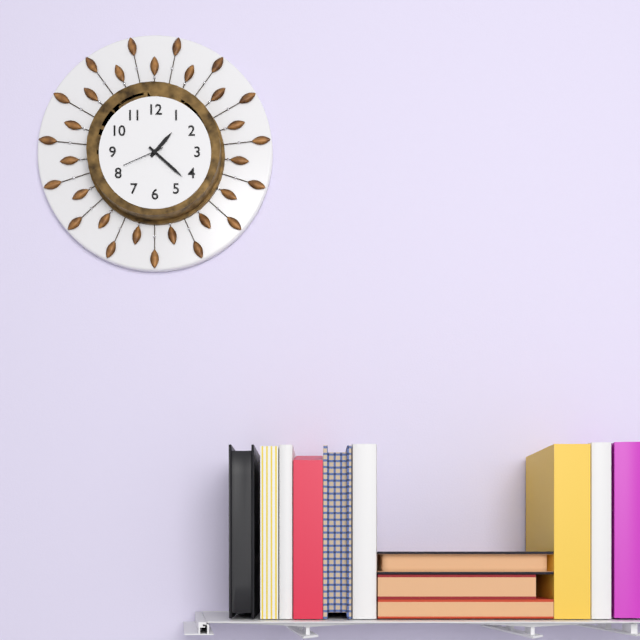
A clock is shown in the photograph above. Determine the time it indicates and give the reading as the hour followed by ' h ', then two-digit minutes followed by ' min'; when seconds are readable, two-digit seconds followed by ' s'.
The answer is 1 h 22 min
